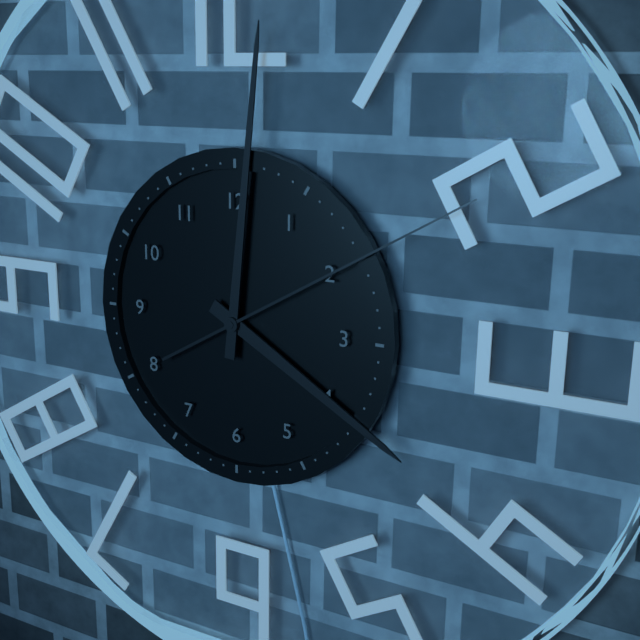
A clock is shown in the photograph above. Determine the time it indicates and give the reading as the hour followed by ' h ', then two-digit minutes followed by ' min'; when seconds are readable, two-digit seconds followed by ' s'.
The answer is 4 h 01 min 10 s
